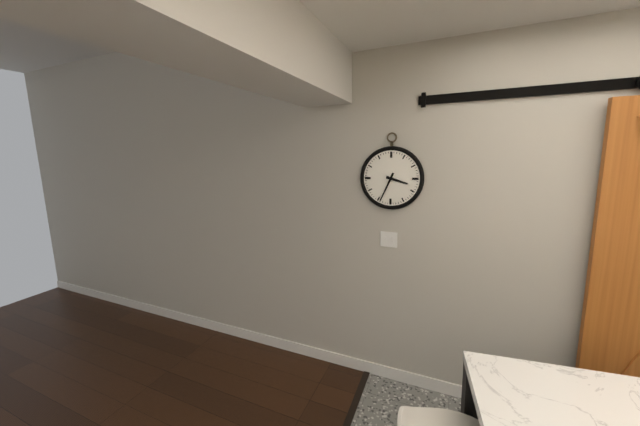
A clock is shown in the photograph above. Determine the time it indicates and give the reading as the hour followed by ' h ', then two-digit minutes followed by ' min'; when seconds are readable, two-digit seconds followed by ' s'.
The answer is 3 h 34 min
